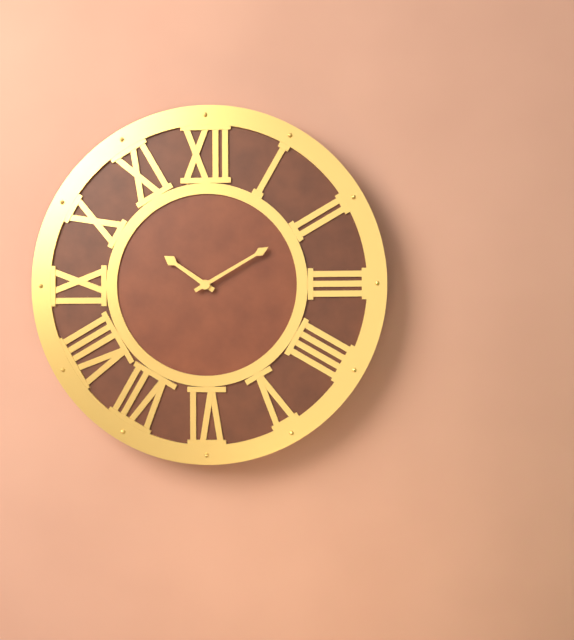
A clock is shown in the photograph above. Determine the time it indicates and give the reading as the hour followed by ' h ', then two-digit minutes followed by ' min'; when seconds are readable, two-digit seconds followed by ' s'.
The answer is 10 h 10 min
